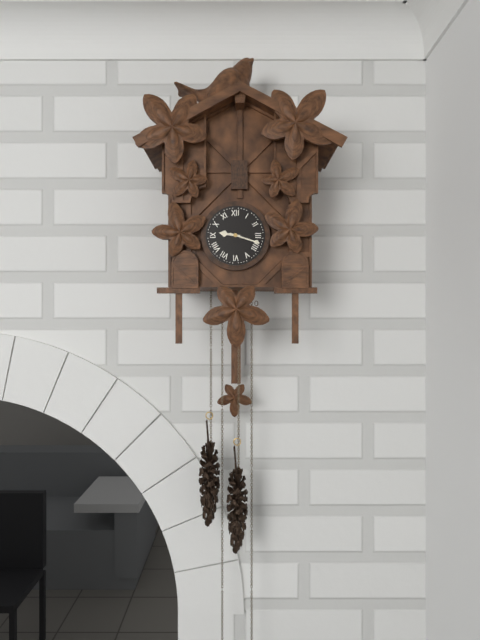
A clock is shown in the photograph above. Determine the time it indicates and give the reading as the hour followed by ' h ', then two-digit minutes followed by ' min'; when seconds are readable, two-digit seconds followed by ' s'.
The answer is 9 h 18 min
